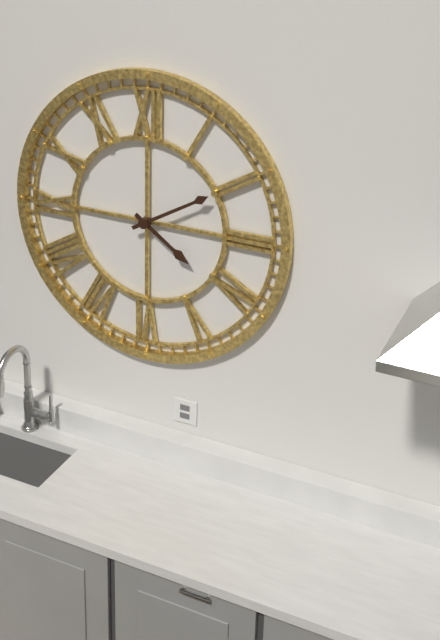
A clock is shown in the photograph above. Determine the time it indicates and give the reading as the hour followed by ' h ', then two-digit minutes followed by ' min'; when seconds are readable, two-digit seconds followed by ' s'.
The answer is 4 h 10 min
